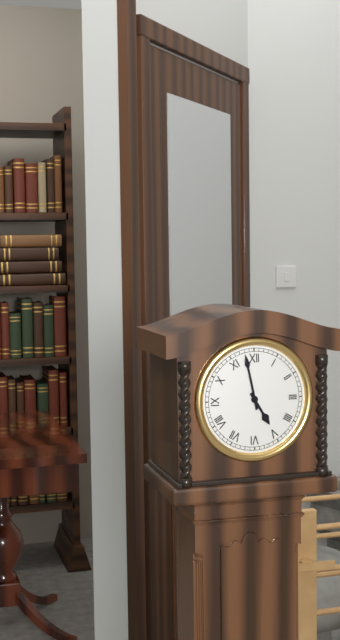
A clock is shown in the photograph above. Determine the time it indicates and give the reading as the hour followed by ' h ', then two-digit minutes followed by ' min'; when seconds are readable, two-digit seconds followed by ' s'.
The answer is 4 h 58 min
